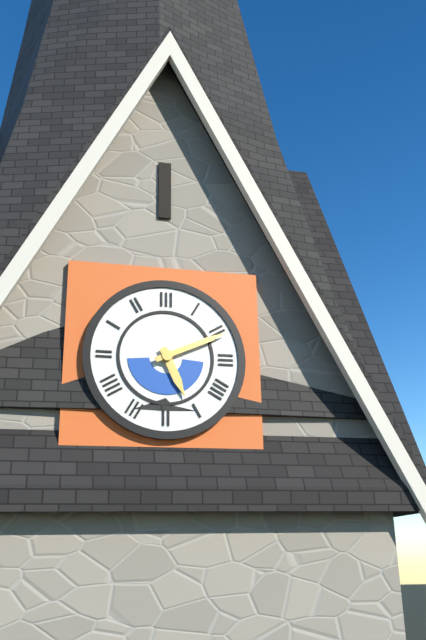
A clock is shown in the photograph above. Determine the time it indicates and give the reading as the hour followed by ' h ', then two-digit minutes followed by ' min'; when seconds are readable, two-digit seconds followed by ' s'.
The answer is 5 h 11 min
